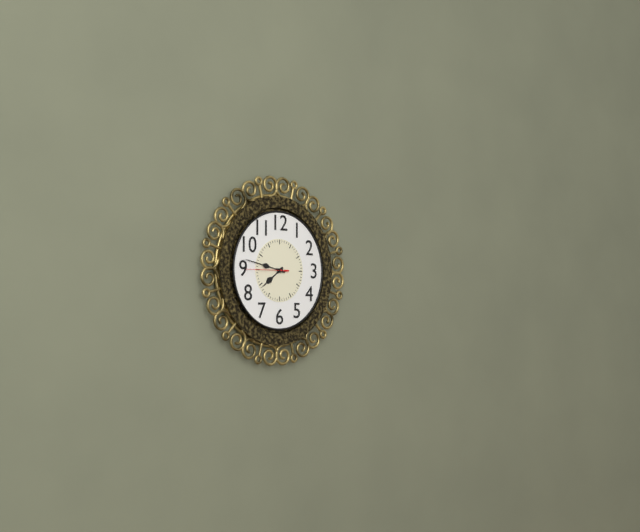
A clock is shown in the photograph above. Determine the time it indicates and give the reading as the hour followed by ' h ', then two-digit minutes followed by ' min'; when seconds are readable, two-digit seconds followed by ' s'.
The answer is 7 h 47 min
